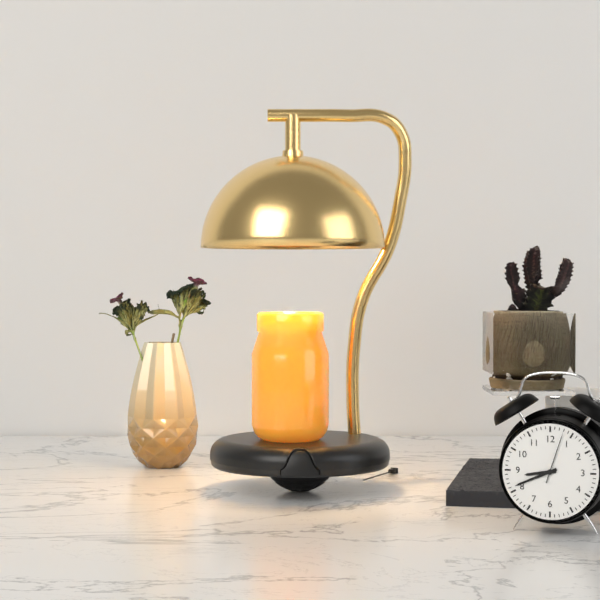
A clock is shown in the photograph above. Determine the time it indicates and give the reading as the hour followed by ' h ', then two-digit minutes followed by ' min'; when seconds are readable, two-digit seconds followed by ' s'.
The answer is 8 h 41 min 03 s
